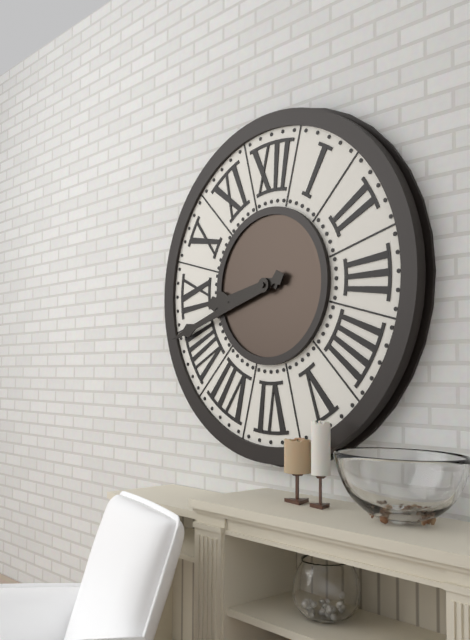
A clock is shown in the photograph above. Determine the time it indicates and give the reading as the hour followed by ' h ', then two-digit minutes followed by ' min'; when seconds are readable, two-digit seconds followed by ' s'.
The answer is 8 h 42 min
